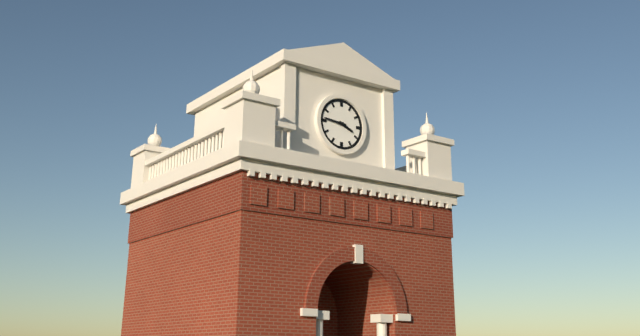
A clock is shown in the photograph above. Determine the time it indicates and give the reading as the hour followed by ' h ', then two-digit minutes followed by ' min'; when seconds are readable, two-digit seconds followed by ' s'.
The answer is 3 h 46 min
